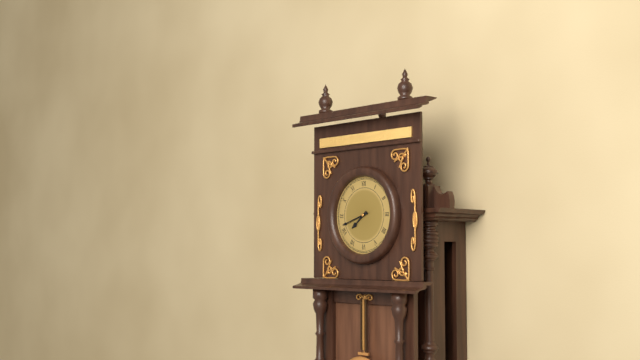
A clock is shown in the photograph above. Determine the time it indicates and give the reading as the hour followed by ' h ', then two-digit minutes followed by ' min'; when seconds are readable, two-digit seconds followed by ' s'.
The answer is 7 h 42 min
